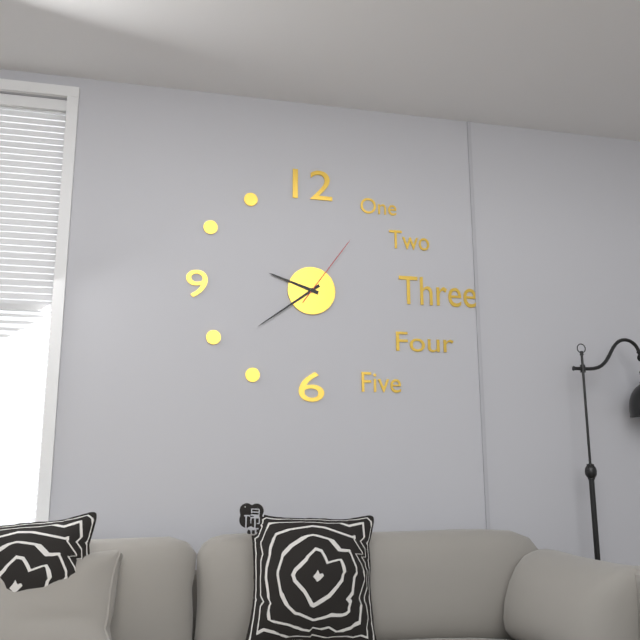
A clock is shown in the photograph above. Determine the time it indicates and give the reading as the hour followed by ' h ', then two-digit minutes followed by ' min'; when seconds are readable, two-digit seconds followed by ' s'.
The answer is 9 h 39 min 06 s
